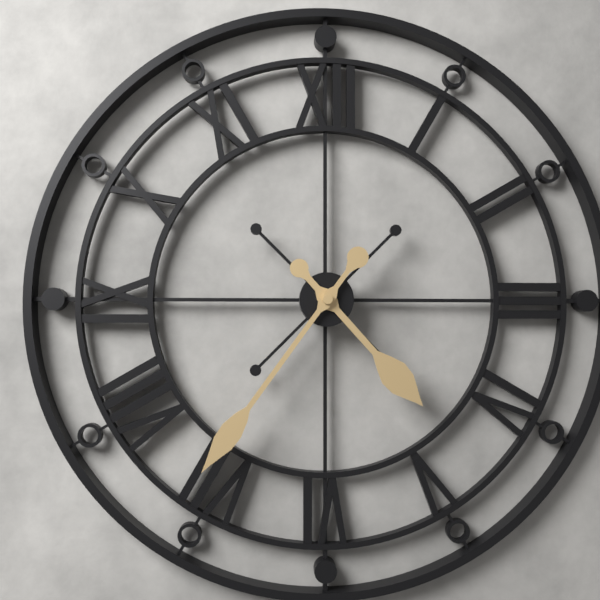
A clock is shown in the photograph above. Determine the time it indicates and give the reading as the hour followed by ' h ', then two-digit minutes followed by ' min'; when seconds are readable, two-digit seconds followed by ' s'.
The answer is 4 h 36 min
